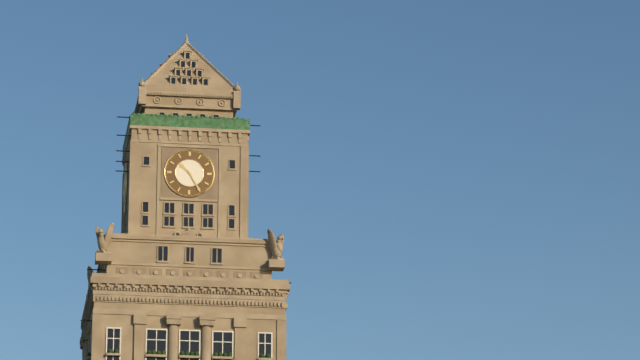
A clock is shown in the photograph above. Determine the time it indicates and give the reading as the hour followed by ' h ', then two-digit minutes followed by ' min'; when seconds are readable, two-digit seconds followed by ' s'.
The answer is 10 h 25 min
